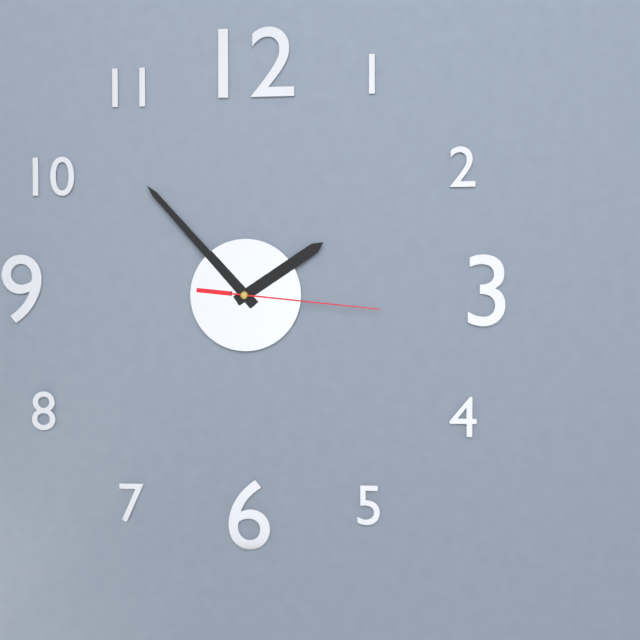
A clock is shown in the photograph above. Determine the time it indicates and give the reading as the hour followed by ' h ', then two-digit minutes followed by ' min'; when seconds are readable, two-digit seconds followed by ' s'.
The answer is 1 h 53 min 16 s
